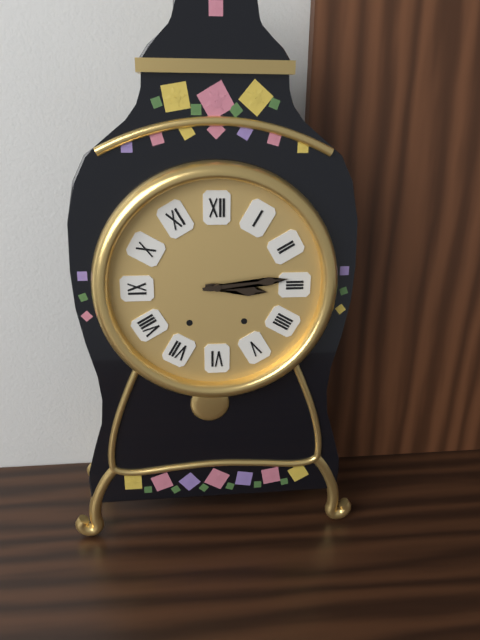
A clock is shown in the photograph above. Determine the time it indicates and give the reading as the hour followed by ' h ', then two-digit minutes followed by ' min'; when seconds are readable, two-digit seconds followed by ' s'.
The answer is 3 h 14 min
